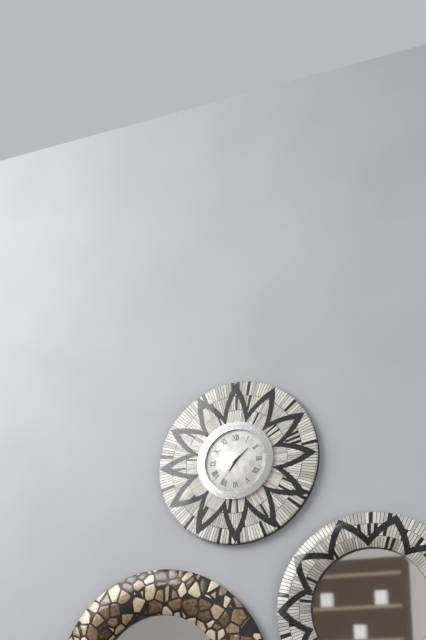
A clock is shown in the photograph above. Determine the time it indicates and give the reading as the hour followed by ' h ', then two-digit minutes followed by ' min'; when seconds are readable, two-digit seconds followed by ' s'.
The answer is 7 h 08 min
